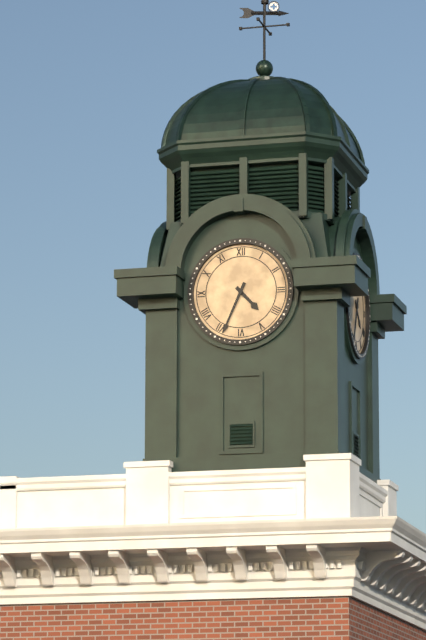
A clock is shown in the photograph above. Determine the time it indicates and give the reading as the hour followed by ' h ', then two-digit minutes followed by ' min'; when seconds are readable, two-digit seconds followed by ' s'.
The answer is 4 h 34 min
